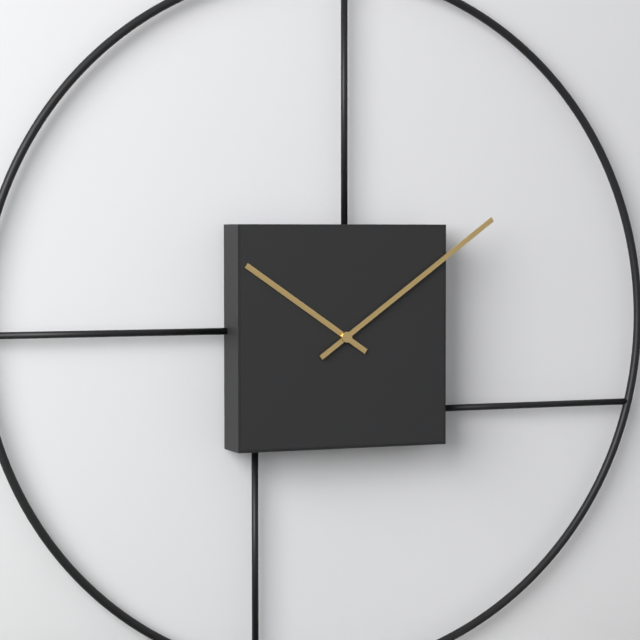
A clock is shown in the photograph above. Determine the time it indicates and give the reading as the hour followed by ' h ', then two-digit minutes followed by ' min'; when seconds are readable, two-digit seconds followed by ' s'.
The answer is 10 h 09 min
